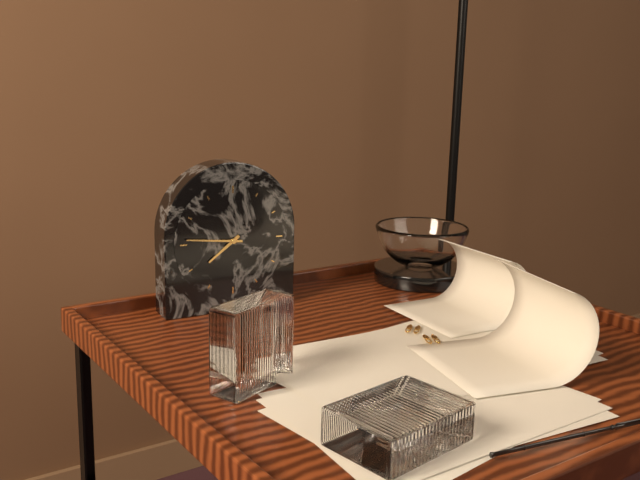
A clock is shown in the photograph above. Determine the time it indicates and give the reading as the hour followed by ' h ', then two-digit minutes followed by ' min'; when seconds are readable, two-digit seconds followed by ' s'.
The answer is 7 h 46 min
